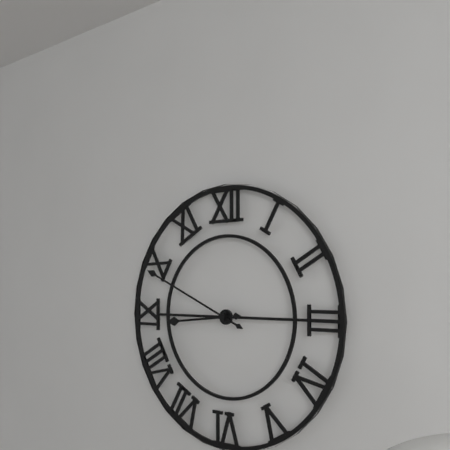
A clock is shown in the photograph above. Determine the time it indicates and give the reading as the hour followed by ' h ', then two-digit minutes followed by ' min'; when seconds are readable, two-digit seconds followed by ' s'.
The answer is 8 h 49 min
